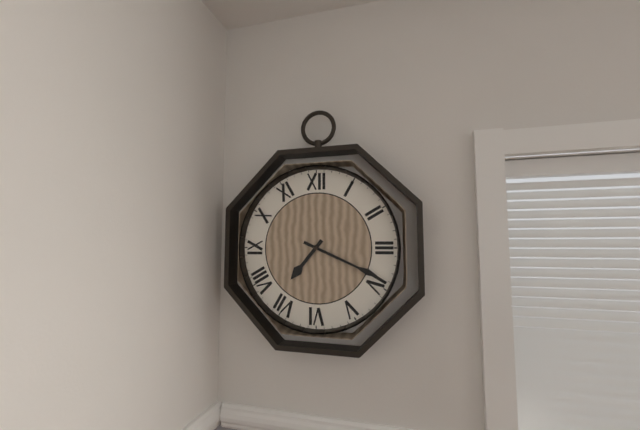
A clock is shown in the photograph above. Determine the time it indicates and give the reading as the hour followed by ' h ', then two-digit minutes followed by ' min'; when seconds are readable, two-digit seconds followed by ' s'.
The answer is 7 h 19 min
